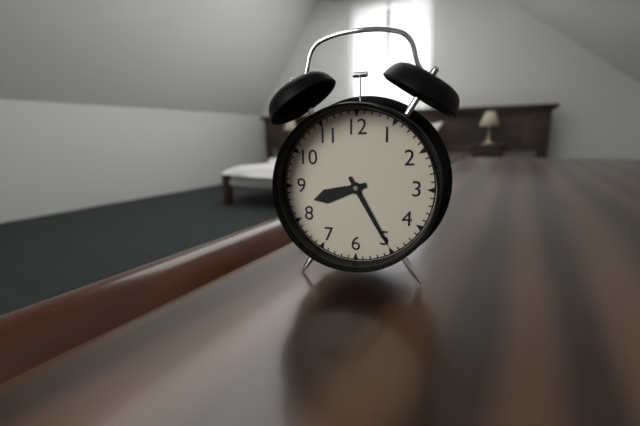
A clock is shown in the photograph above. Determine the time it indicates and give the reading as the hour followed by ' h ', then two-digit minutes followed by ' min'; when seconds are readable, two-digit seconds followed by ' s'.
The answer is 8 h 25 min
